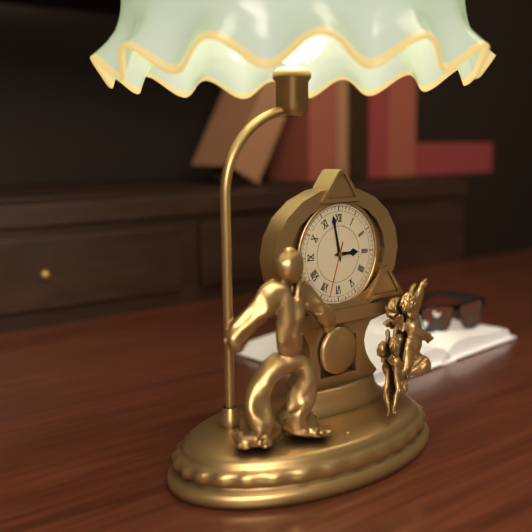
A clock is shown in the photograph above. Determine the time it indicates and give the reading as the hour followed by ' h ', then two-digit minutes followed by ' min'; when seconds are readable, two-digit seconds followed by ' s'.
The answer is 2 h 58 min 33 s
